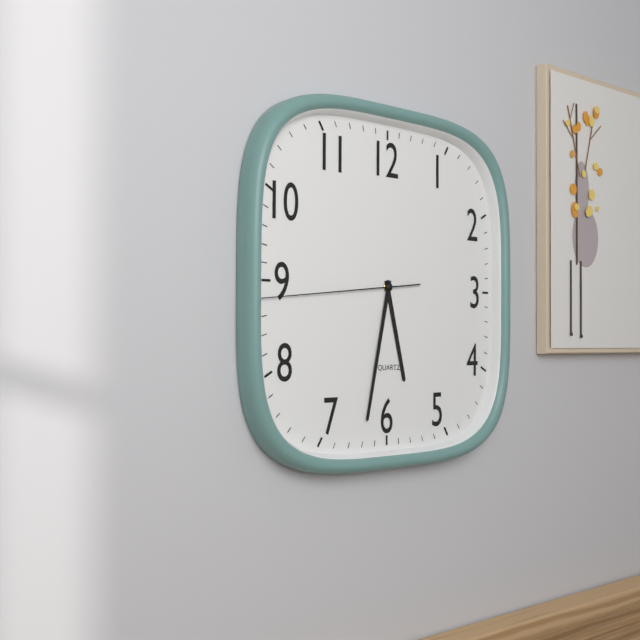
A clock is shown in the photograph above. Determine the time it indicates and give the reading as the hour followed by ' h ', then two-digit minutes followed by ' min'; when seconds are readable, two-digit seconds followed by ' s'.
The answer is 5 h 32 min 44 s
